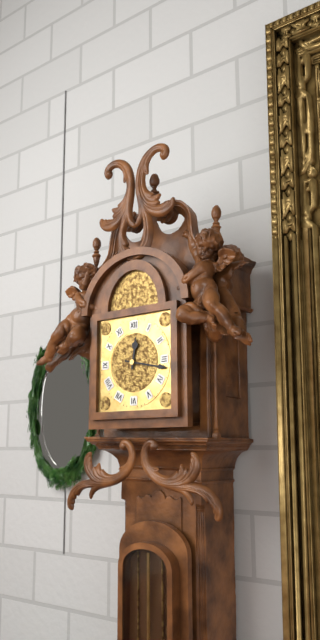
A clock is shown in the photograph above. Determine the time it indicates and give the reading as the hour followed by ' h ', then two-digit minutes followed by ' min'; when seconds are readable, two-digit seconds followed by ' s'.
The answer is 12 h 17 min
